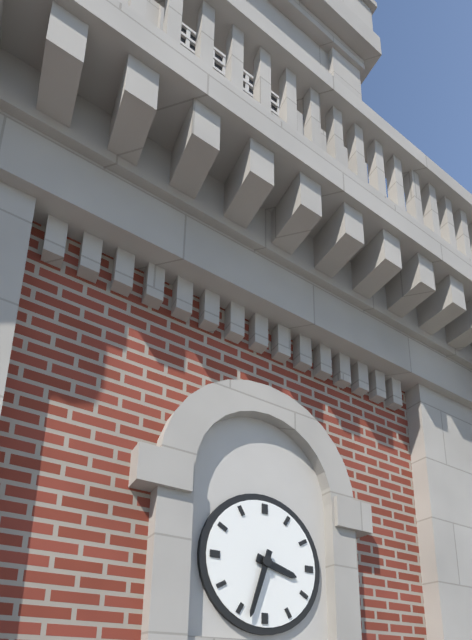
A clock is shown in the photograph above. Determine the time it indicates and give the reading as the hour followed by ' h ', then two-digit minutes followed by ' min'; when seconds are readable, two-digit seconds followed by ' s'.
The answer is 3 h 33 min
